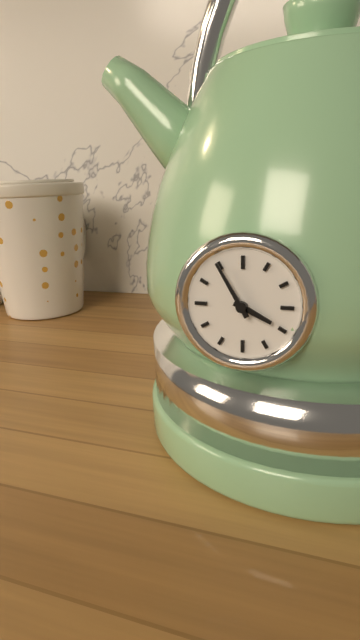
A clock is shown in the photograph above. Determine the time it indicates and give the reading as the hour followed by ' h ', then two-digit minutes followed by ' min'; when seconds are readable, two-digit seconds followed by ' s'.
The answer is 3 h 55 min
